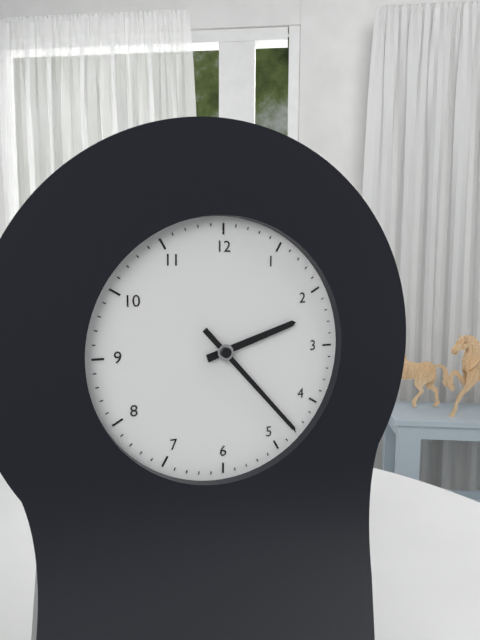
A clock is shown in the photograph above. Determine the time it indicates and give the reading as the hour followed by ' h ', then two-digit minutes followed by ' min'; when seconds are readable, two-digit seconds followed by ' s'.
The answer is 2 h 23 min
